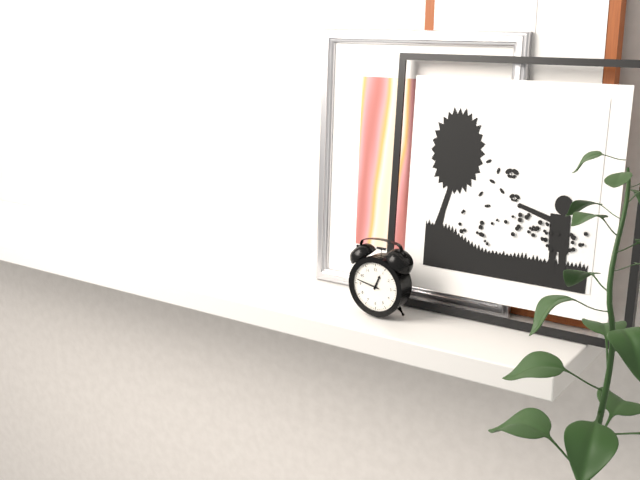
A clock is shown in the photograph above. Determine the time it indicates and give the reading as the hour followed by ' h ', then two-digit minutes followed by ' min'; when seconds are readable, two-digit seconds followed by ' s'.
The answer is 12 h 47 min
